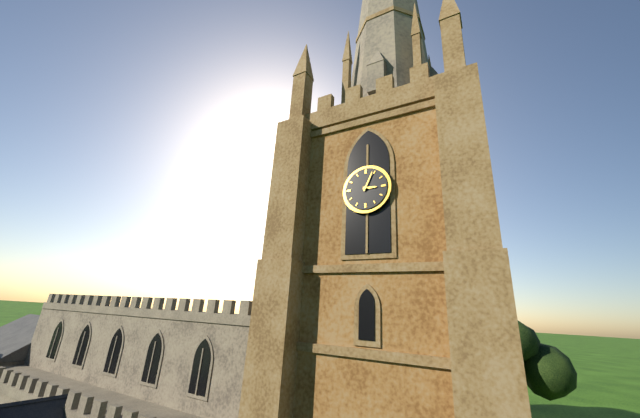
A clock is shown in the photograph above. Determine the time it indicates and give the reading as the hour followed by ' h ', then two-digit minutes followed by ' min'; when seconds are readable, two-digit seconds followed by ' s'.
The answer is 3 h 04 min
